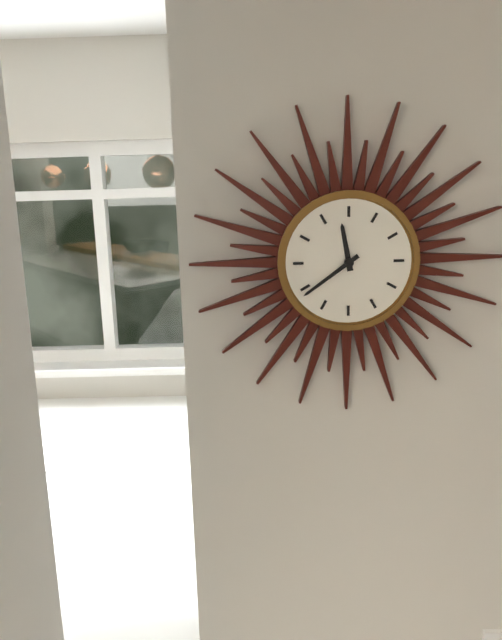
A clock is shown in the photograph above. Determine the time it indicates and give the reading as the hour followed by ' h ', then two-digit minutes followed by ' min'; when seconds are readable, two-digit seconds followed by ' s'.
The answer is 11 h 39 min
